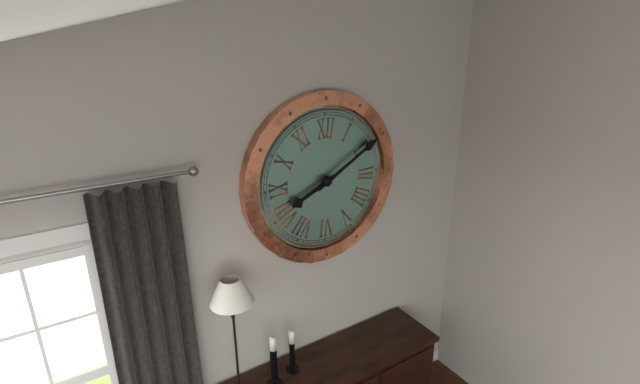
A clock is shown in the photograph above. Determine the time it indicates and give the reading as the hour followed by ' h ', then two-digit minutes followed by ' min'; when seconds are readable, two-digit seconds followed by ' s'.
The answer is 8 h 10 min
